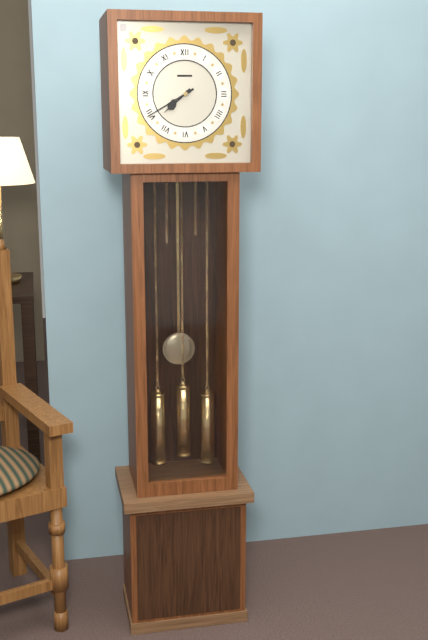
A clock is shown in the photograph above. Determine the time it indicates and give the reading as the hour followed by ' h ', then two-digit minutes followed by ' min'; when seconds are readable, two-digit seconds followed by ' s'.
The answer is 7 h 40 min
